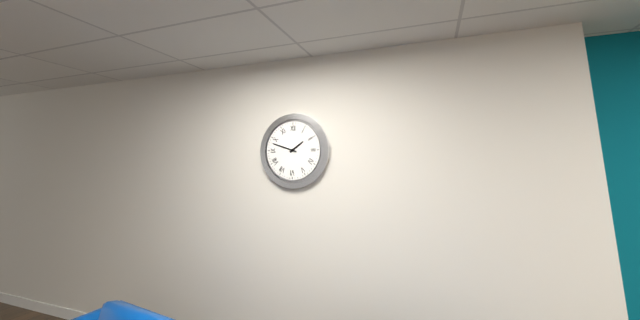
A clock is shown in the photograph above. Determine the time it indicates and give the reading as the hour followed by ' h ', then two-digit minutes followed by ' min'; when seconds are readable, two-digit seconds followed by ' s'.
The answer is 1 h 48 min
